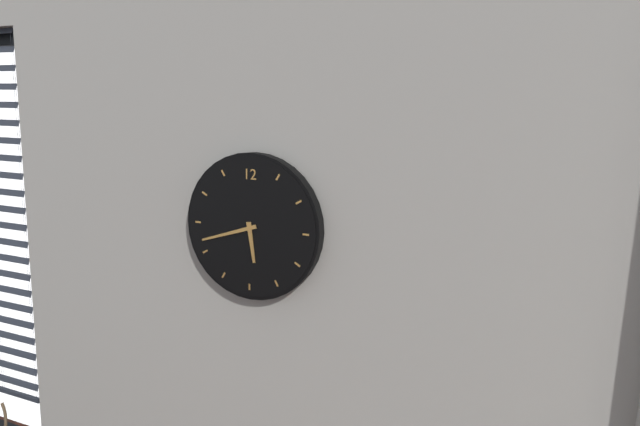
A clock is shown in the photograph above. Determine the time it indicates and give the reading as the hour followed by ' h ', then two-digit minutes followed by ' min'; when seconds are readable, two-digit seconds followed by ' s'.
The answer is 5 h 42 min
